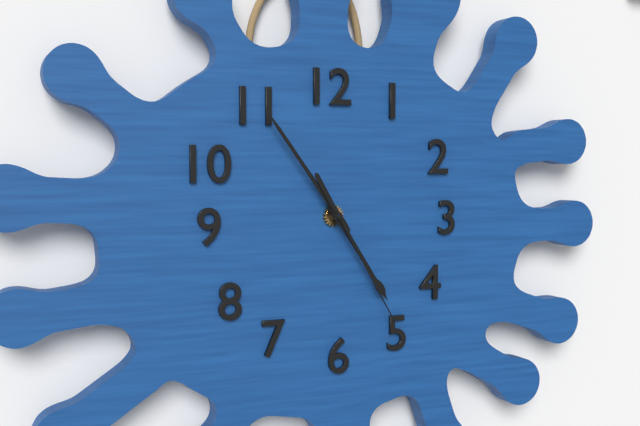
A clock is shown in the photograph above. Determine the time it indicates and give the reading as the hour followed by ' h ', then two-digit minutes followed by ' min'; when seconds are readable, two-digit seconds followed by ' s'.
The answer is 4 h 54 min 25 s
